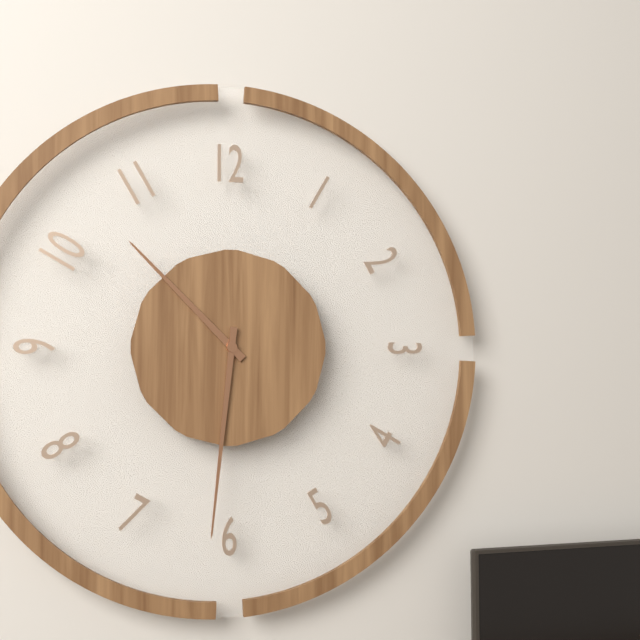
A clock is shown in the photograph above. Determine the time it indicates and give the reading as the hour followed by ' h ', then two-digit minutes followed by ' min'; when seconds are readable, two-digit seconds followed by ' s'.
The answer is 10 h 31 min
